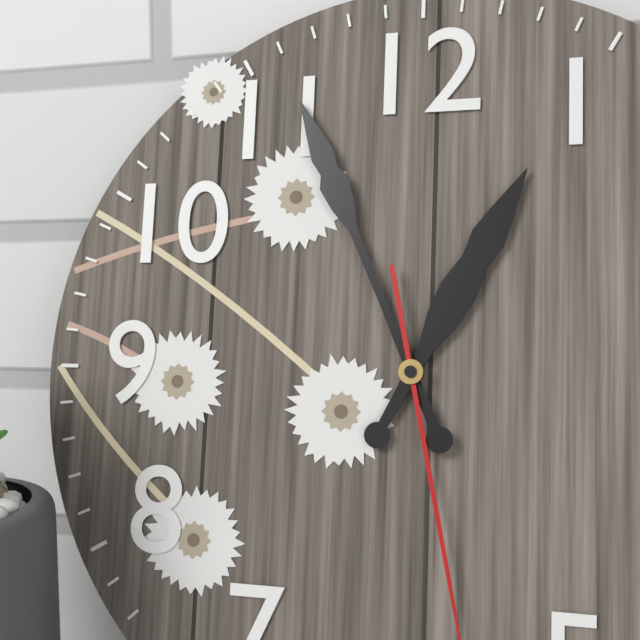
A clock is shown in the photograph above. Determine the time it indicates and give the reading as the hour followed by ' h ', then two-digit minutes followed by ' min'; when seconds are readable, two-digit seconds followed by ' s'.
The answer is 12 h 56 min
